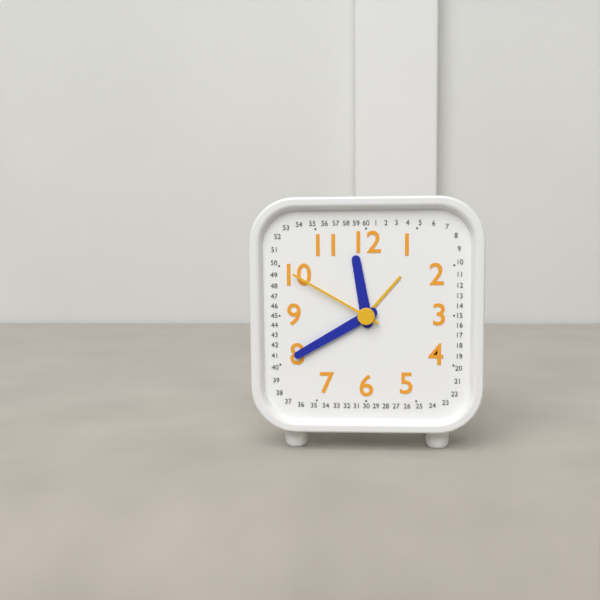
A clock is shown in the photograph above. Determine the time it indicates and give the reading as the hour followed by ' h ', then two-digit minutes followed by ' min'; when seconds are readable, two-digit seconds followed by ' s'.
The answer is 11 h 40 min 50 s
